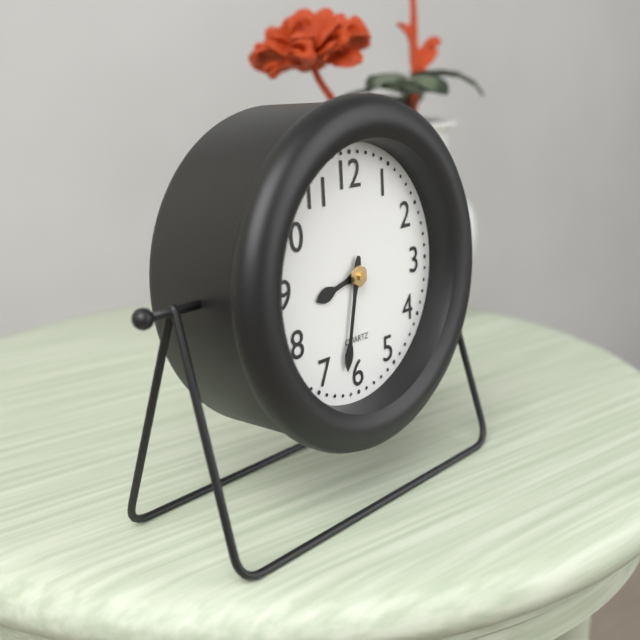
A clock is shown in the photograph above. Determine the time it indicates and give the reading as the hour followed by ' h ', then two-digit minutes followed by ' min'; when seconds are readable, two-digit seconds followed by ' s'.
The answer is 8 h 32 min
